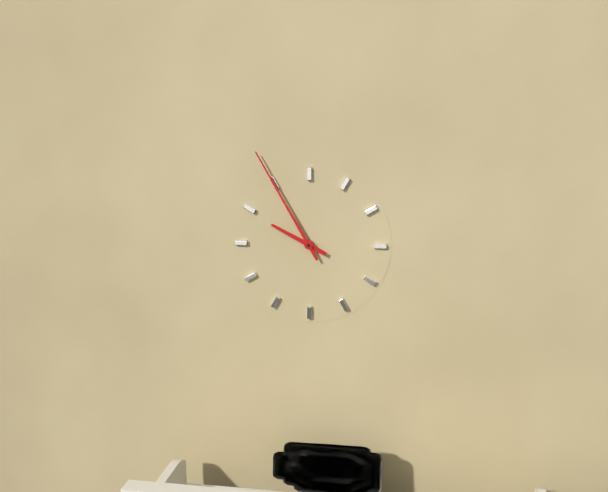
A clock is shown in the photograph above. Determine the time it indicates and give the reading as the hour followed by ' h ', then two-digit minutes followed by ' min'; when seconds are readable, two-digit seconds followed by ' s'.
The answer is 9 h 55 min
